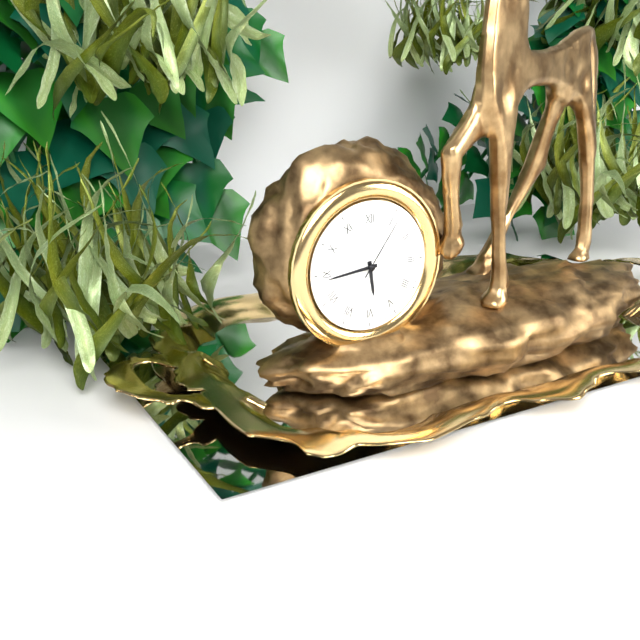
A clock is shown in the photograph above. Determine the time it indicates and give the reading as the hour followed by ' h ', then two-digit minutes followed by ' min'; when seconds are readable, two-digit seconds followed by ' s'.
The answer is 5 h 44 min 06 s
